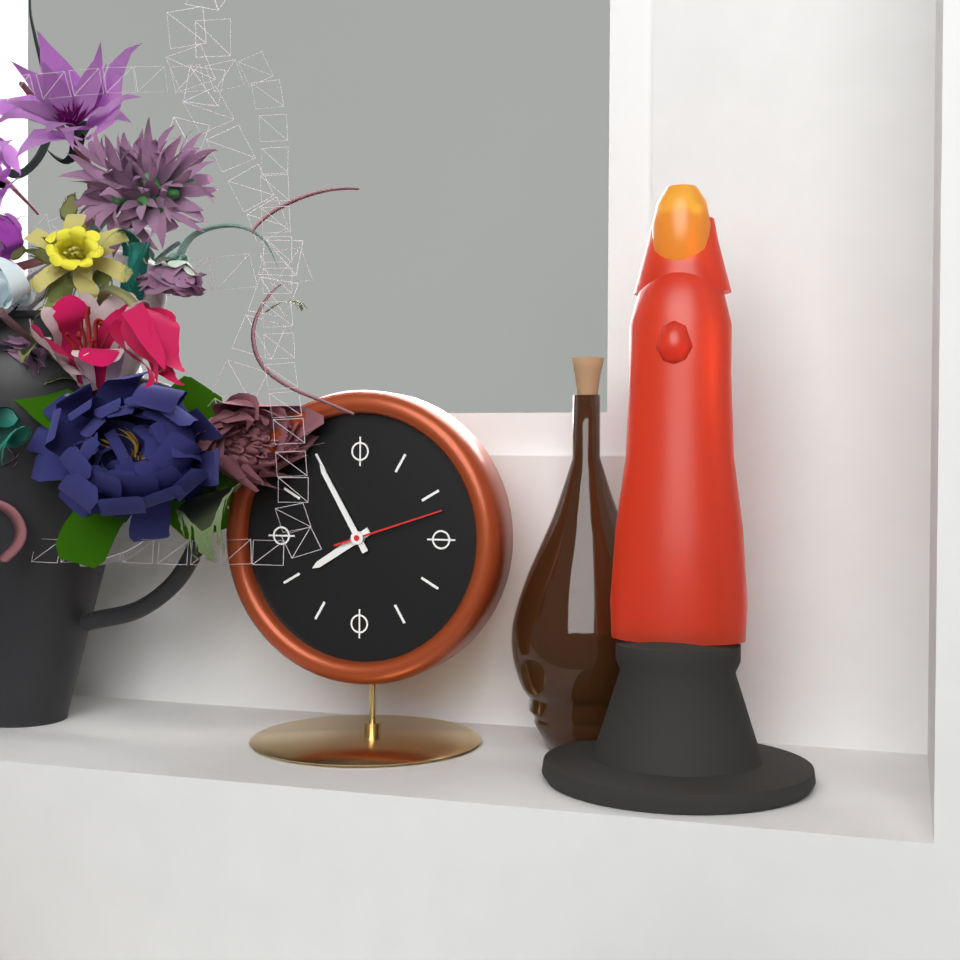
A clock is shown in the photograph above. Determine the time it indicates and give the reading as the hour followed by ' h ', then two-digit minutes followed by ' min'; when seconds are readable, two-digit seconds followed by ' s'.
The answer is 7 h 55 min 12 s
